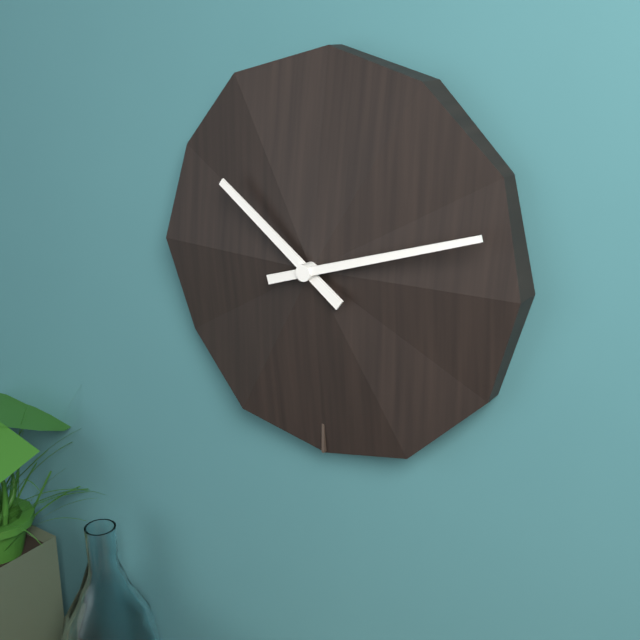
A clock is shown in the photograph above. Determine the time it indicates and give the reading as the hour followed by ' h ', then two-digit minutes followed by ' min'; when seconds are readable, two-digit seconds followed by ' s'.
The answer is 10 h 12 min
